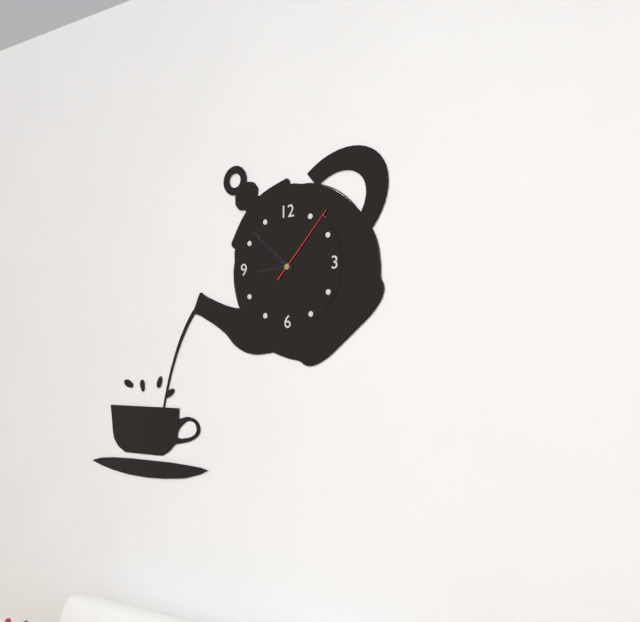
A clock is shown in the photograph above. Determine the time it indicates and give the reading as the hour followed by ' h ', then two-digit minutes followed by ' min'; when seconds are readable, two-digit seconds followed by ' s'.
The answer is 8 h 52 min 07 s
